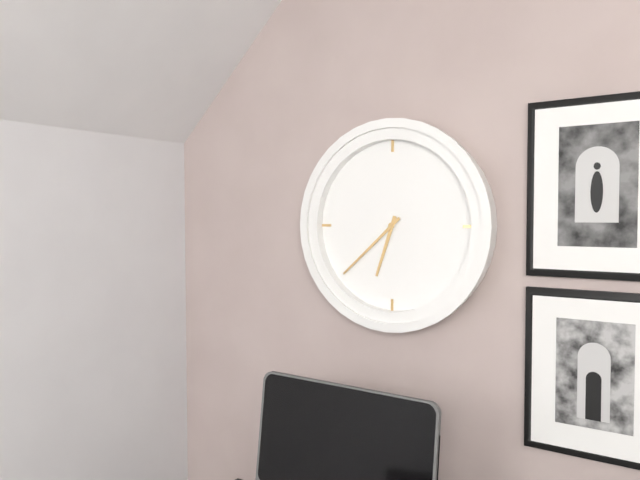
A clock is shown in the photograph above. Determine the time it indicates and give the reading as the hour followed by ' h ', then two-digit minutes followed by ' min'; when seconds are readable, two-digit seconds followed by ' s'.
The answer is 6 h 38 min
